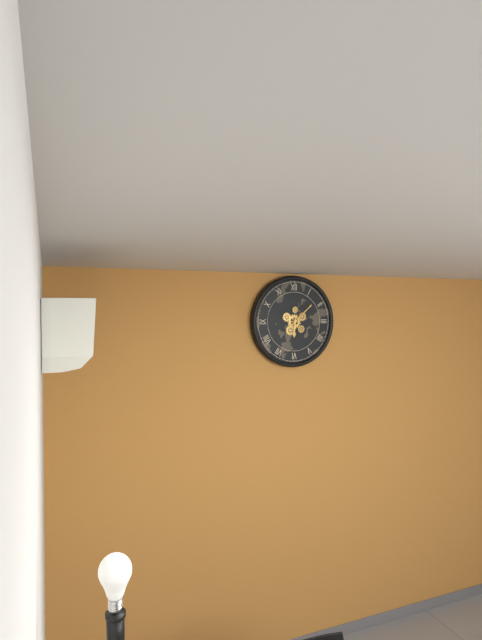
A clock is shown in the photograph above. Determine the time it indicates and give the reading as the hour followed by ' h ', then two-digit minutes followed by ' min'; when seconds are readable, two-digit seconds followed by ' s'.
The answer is 6 h 08 min
